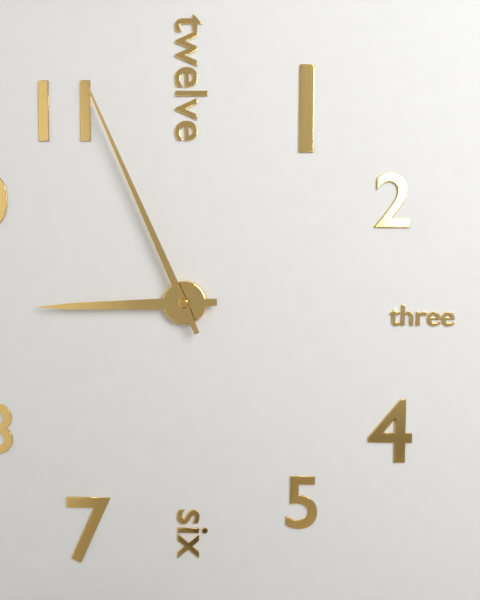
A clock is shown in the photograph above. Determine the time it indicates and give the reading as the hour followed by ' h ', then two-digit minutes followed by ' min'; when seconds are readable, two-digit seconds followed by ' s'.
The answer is 8 h 56 min
